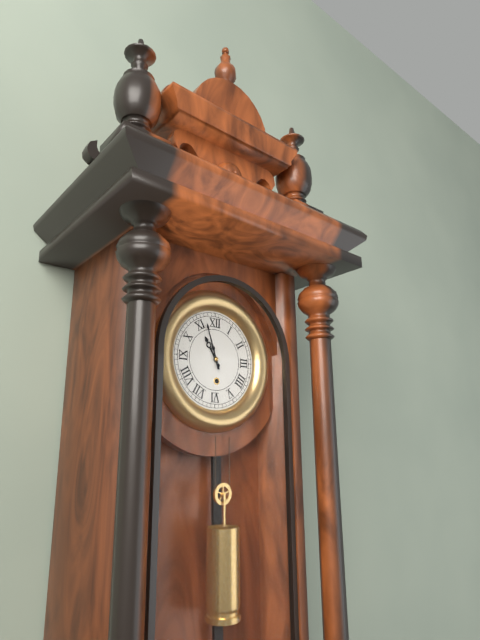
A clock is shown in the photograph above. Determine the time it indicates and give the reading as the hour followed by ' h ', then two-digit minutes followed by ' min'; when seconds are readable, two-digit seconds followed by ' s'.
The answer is 10 h 57 min
